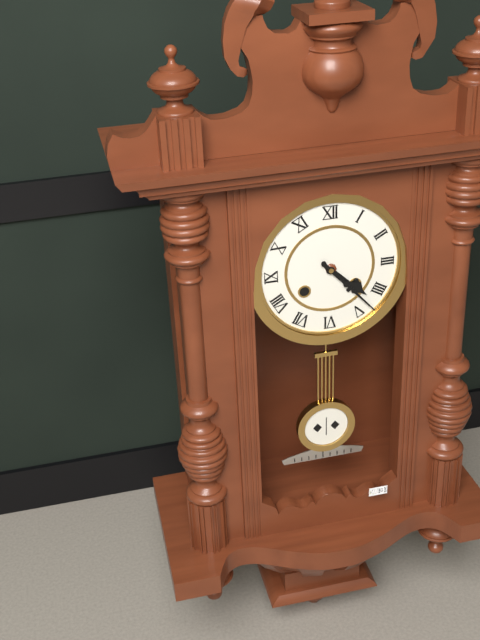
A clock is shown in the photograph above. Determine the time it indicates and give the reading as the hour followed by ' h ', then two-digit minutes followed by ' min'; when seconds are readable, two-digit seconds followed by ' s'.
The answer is 4 h 23 min
